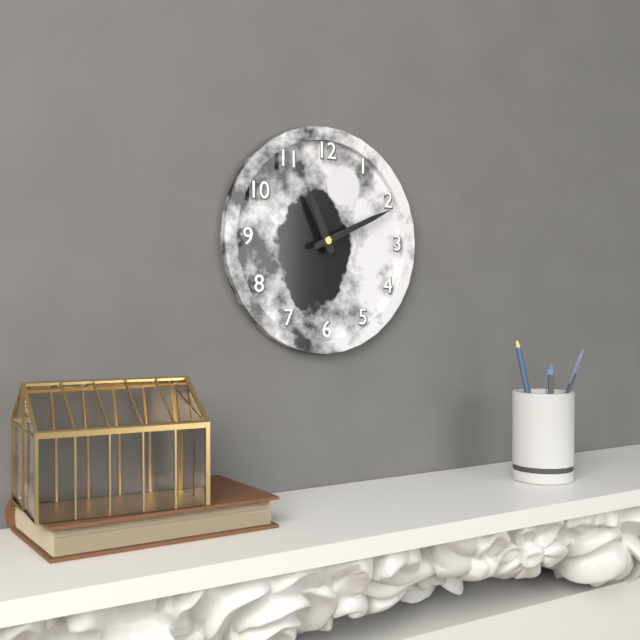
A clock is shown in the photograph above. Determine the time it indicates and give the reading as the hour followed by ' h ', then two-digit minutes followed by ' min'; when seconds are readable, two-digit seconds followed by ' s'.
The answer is 11 h 11 min
